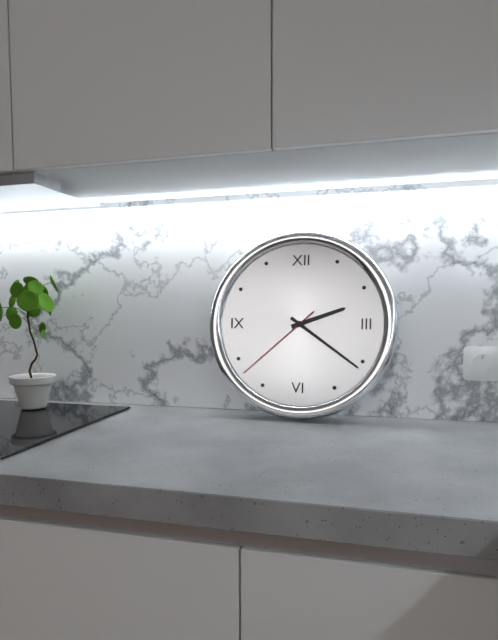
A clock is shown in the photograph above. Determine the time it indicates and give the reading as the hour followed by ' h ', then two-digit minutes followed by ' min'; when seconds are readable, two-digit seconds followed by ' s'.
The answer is 2 h 21 min 38 s
